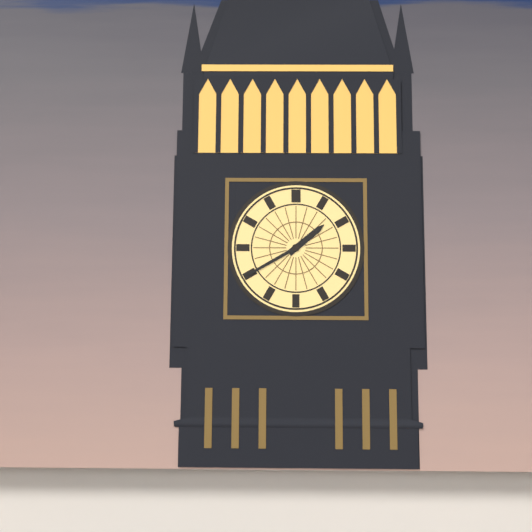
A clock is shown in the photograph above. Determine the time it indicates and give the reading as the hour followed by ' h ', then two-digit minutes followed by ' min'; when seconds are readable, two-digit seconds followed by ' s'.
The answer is 1 h 40 min
